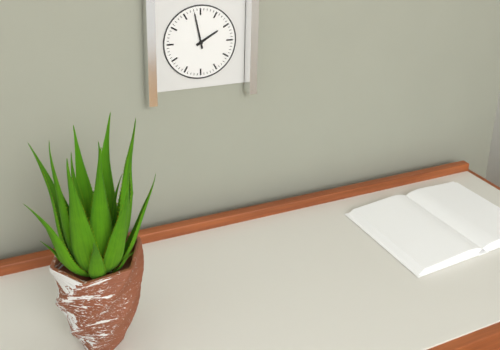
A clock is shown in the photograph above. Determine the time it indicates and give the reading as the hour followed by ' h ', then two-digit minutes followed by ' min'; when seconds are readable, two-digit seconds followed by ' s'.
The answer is 1 h 58 min
